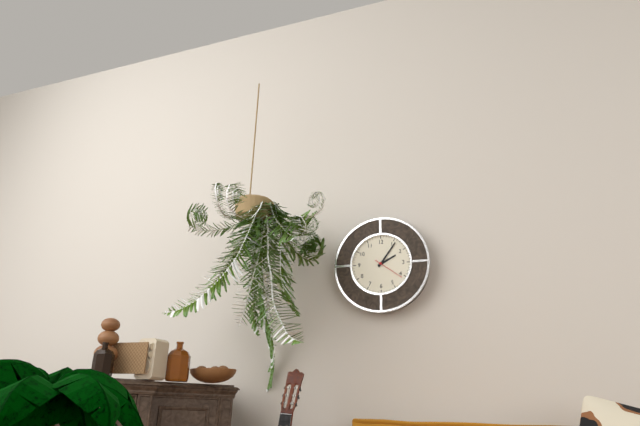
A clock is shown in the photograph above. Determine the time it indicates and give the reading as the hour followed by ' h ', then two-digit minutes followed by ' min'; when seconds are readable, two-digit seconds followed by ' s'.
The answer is 2 h 06 min
